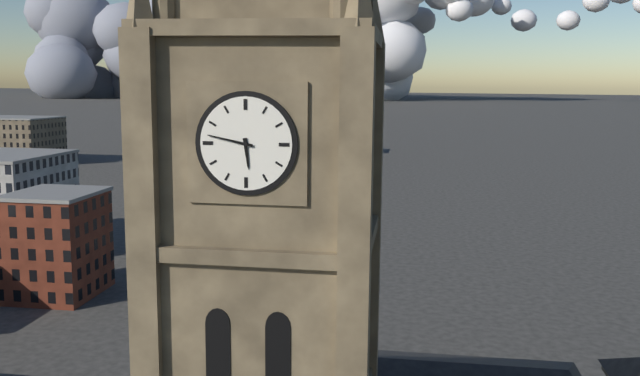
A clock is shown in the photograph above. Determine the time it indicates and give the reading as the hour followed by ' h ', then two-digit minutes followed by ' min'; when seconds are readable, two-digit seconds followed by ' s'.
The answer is 5 h 47 min
